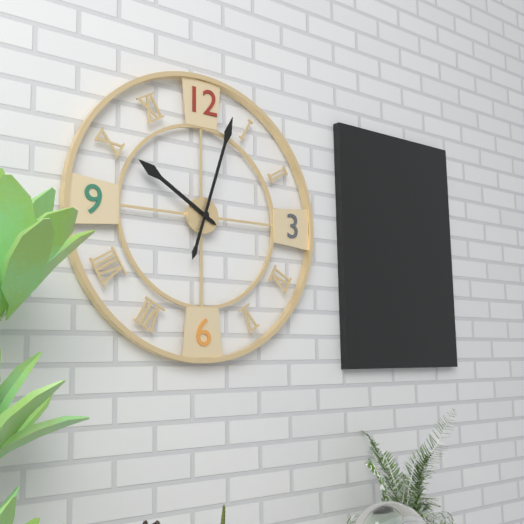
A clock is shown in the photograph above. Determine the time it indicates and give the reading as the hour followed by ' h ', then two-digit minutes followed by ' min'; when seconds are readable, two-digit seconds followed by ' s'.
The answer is 10 h 03 min
